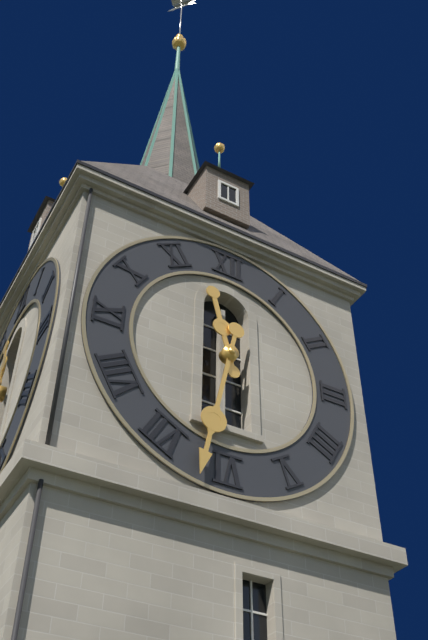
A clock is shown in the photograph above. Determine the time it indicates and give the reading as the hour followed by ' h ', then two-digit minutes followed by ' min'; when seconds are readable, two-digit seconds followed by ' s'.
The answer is 11 h 32 min
